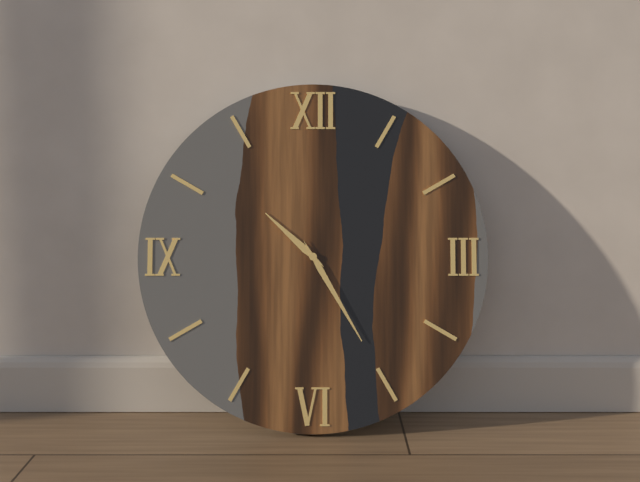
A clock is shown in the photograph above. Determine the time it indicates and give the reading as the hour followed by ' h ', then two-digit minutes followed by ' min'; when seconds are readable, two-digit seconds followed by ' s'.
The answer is 10 h 25 min
